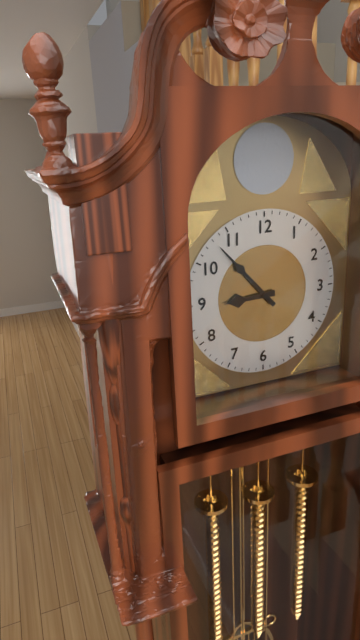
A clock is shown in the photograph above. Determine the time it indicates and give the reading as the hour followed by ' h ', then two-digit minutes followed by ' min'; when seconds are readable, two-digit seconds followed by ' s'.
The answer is 8 h 53 min
